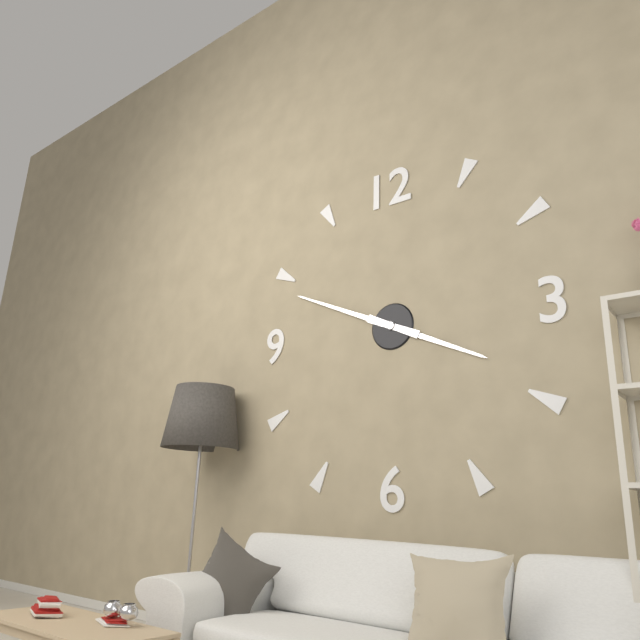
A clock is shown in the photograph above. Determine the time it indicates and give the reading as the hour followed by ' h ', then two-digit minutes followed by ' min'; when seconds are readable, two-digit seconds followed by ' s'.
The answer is 3 h 49 min
